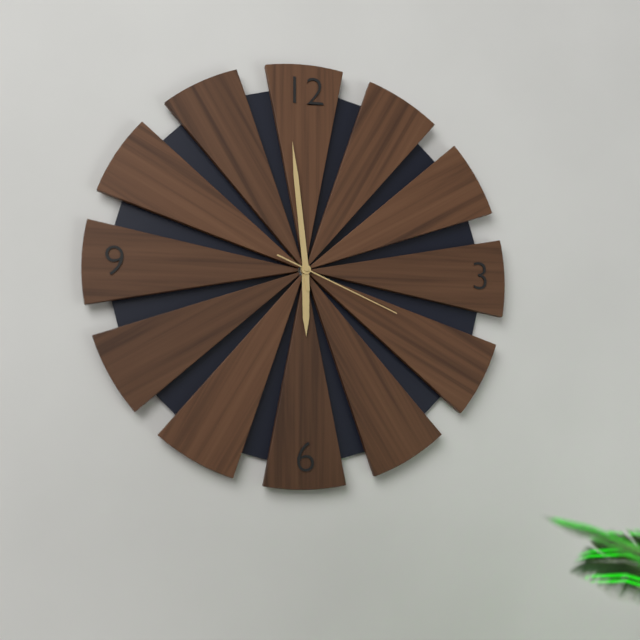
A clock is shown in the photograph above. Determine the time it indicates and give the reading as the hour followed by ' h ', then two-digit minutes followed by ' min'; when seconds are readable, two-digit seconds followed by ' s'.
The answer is 5 h 59 min 19 s
